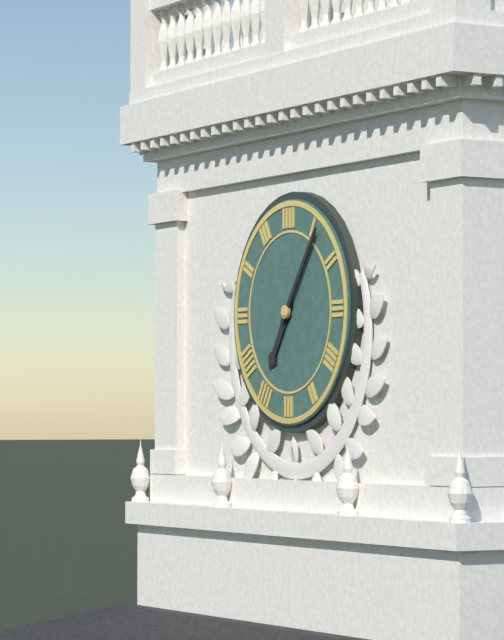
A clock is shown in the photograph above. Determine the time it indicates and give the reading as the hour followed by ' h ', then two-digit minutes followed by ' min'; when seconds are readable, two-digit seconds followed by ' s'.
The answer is 7 h 06 min
